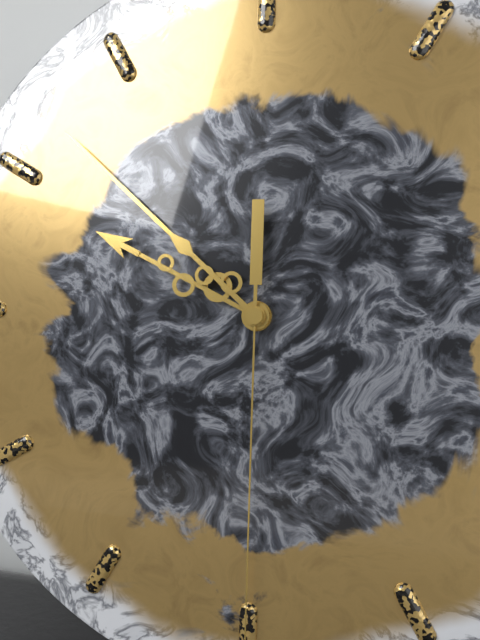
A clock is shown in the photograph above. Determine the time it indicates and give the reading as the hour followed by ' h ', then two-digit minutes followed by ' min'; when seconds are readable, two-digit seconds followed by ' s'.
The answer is 9 h 52 min
